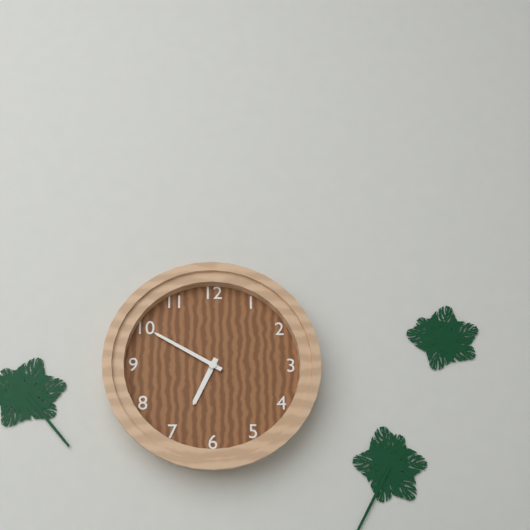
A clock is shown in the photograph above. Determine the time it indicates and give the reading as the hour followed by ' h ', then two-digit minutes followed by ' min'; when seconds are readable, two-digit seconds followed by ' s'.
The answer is 6 h 50 min
